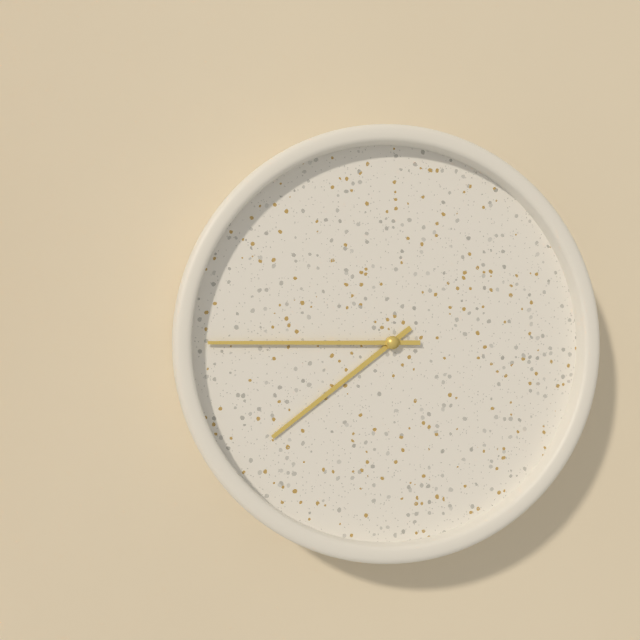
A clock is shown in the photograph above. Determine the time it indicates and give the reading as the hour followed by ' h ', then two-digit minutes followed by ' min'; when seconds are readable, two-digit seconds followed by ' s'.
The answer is 7 h 45 min
